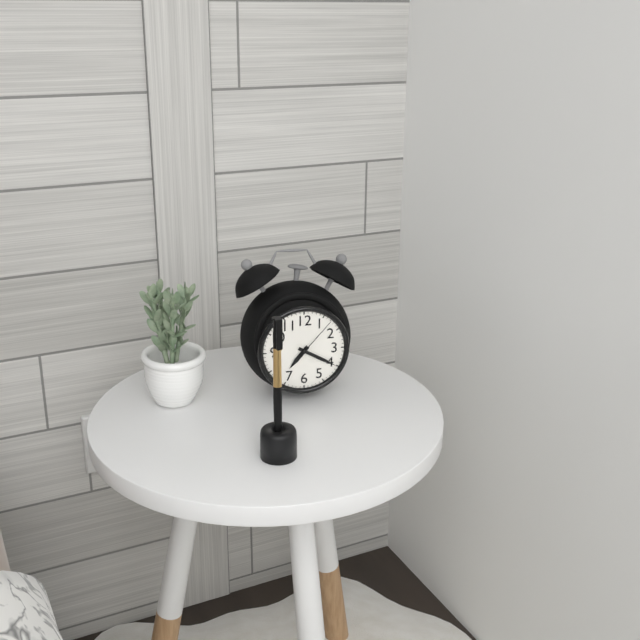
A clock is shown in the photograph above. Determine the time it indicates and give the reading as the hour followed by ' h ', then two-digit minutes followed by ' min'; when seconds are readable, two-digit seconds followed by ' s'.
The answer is 7 h 20 min
